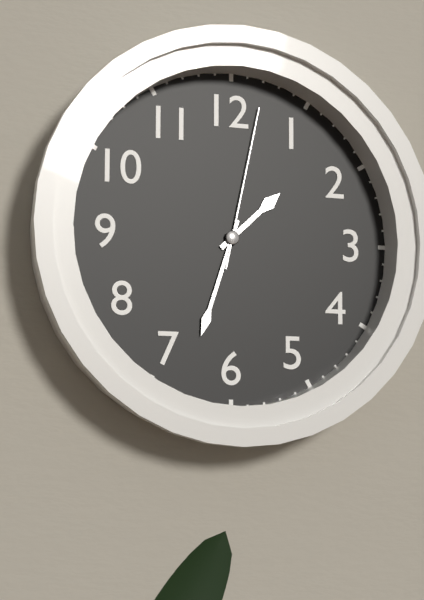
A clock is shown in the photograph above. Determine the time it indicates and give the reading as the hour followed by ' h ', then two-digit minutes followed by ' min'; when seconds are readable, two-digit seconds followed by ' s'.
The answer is 1 h 33 min 02 s
